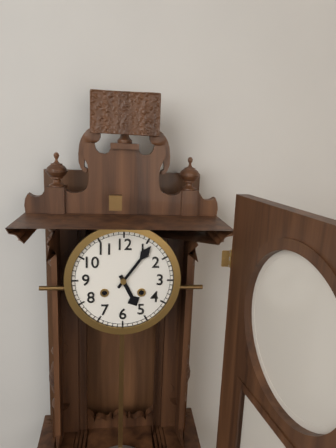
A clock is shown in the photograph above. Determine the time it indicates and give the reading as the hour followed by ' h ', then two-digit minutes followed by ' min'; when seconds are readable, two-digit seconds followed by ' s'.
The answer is 5 h 06 min
